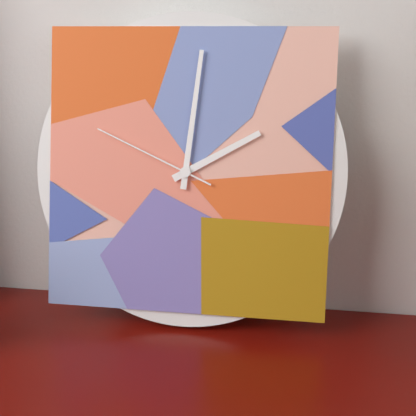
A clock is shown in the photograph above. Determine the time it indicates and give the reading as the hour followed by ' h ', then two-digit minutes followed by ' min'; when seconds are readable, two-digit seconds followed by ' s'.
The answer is 2 h 01 min 49 s
